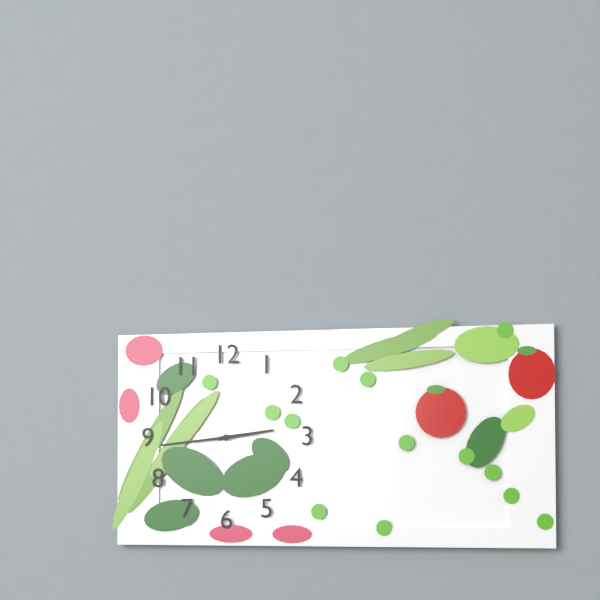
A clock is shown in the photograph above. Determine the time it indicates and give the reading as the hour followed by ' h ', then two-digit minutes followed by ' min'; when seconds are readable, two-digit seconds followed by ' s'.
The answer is 2 h 44 min
